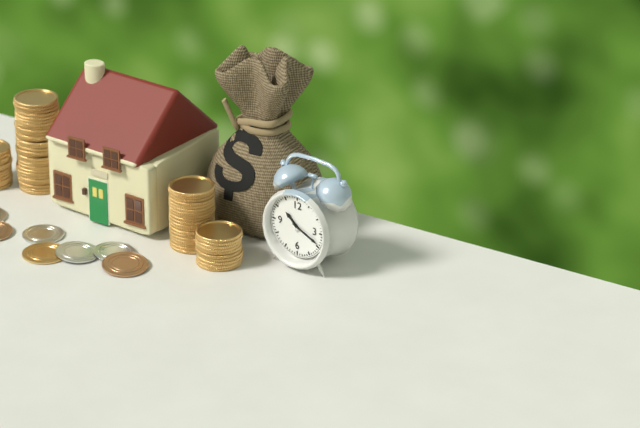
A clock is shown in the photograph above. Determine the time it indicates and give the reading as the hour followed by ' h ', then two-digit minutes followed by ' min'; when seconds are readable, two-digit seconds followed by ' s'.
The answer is 10 h 19 min
